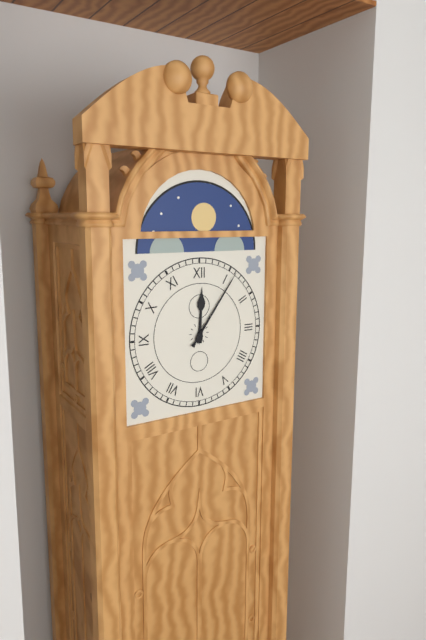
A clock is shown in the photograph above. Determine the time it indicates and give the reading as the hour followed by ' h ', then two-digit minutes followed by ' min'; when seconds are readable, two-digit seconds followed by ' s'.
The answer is 12 h 06 min
